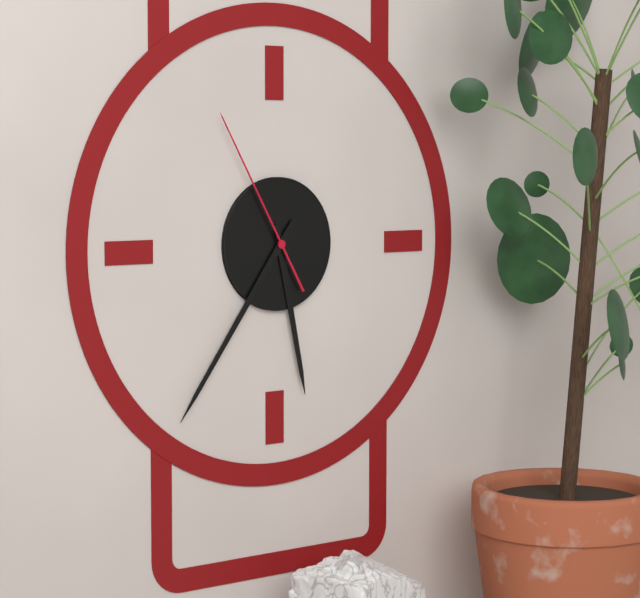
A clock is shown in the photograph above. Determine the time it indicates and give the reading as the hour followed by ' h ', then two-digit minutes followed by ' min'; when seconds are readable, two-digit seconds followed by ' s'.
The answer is 5 h 36 min 55 s
